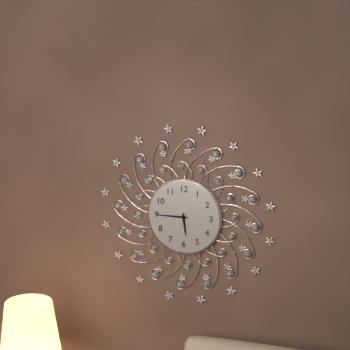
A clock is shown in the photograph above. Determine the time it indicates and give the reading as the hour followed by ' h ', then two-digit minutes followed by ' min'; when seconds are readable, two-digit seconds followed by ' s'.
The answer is 5 h 45 min
